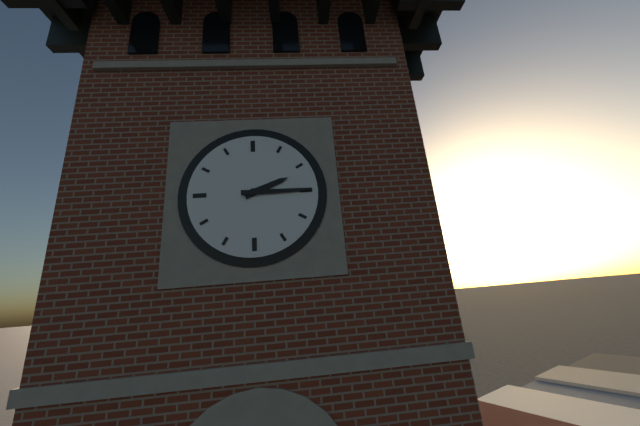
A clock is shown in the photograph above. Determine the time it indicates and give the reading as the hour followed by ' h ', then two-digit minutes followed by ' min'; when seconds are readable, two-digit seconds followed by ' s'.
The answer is 2 h 15 min
